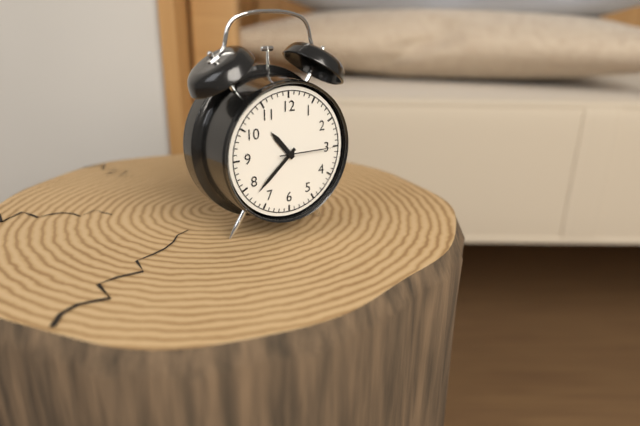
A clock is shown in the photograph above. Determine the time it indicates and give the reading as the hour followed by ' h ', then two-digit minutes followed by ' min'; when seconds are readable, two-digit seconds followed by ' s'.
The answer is 10 h 38 min 15 s
